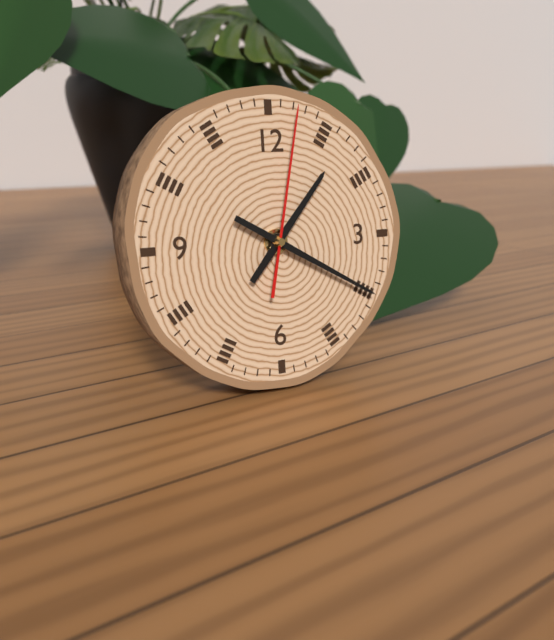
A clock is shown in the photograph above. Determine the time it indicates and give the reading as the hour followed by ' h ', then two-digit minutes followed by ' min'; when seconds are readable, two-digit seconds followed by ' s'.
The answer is 1 h 20 min 02 s
